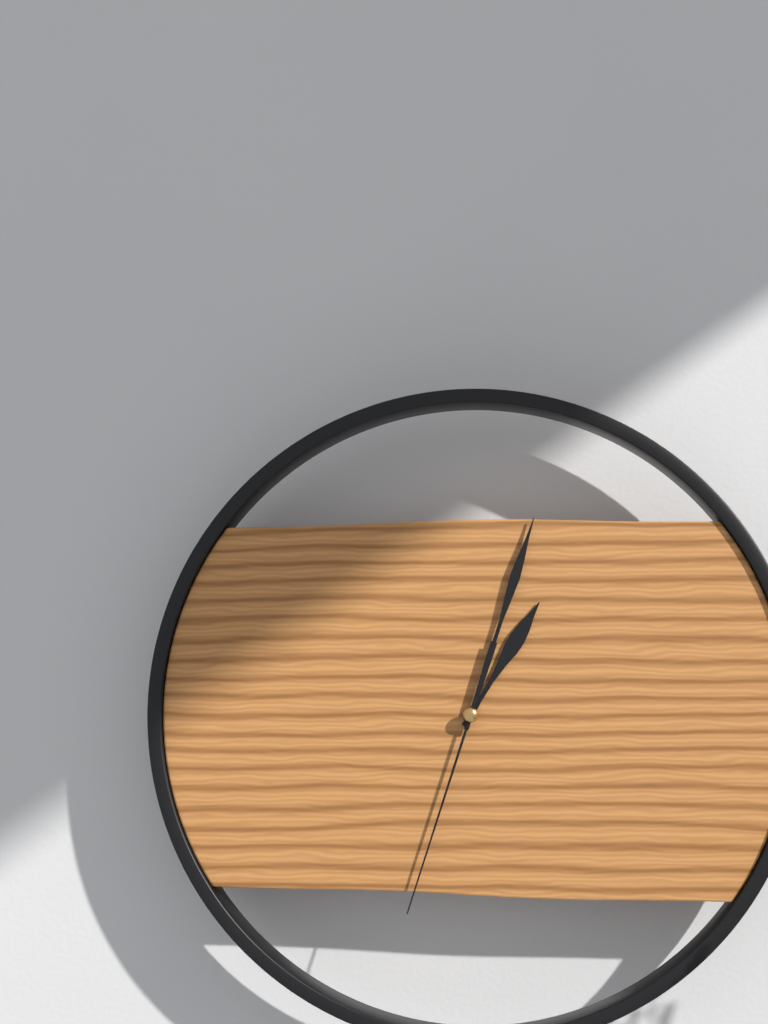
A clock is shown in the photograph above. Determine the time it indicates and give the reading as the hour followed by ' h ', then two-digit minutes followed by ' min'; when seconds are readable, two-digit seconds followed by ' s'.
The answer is 1 h 03 min 33 s
